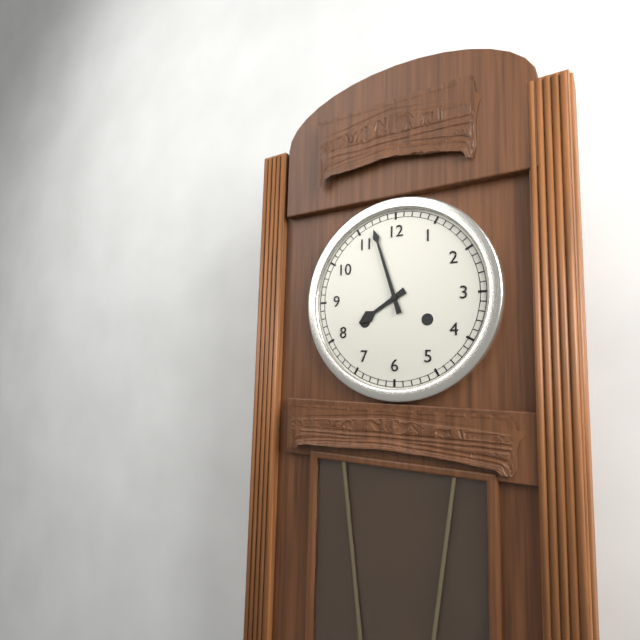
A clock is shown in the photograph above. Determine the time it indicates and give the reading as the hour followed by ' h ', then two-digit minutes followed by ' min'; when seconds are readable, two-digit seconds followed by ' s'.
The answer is 7 h 57 min
